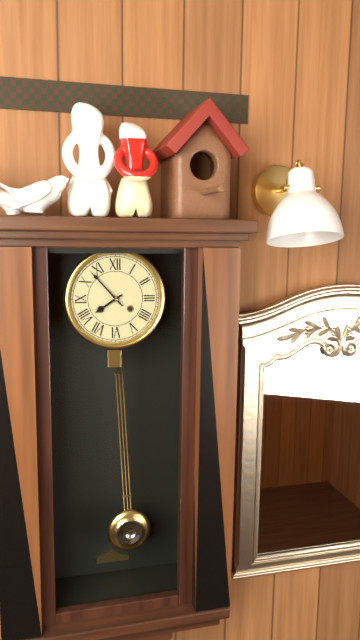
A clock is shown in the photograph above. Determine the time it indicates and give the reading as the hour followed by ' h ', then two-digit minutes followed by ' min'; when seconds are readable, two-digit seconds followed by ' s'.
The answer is 7 h 53 min
